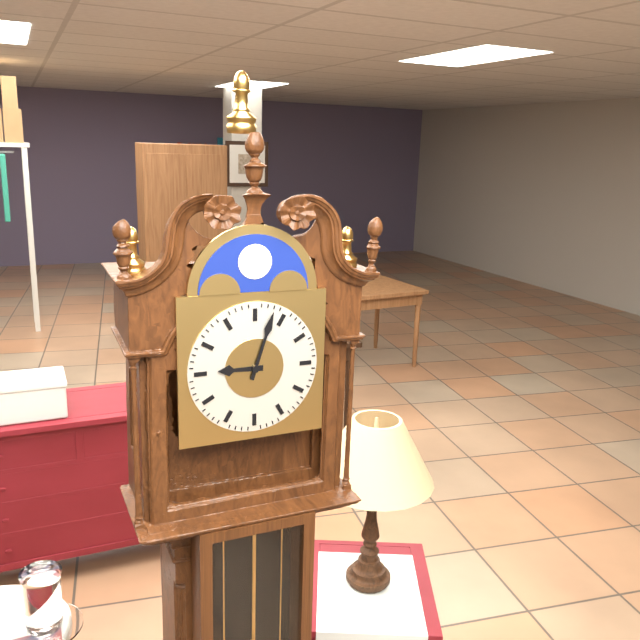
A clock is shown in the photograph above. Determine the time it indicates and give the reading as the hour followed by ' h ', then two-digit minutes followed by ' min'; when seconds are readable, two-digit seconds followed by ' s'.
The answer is 9 h 03 min
